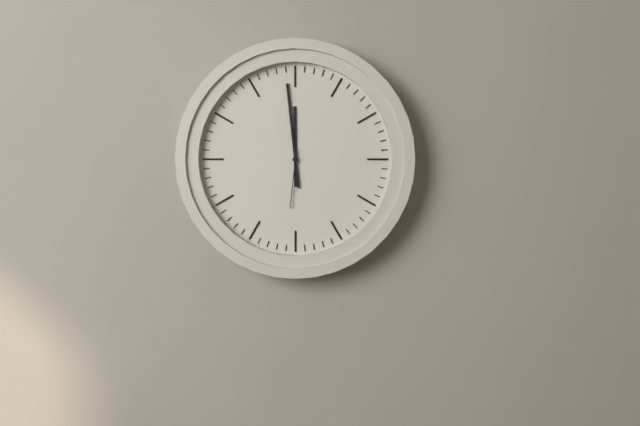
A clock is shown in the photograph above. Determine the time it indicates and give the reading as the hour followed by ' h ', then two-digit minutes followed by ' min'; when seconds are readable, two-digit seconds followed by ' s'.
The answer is 11 h 59 min 31 s
